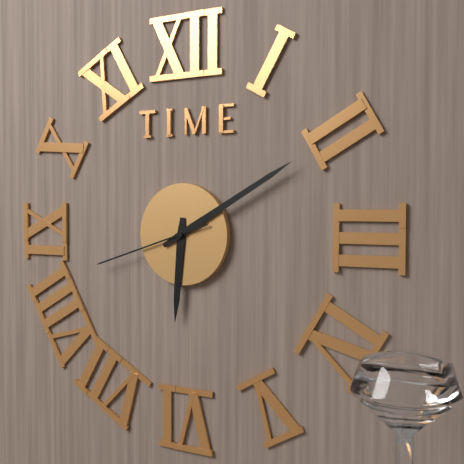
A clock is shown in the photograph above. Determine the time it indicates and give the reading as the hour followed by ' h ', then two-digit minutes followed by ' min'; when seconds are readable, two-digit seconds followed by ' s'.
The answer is 6 h 10 min 42 s
